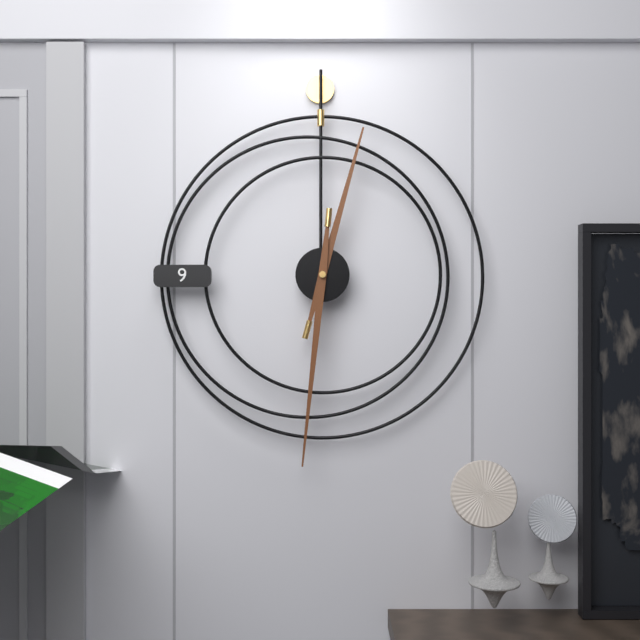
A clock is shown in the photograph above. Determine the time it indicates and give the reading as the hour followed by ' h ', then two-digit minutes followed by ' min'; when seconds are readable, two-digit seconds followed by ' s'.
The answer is 12 h 31 min
